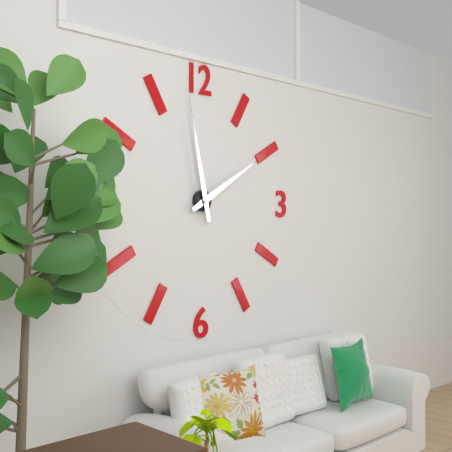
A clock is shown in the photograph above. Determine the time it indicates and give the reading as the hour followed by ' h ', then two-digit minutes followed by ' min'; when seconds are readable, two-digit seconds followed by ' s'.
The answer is 1 h 58 min
